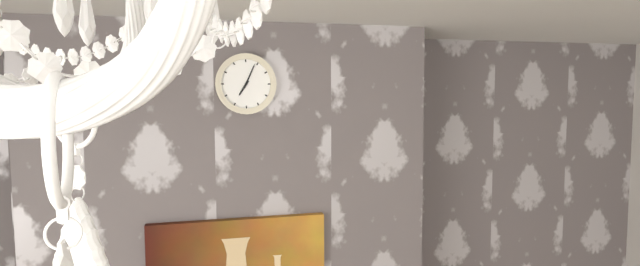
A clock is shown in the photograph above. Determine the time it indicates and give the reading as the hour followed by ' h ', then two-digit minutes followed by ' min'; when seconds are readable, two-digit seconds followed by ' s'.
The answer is 7 h 04 min
